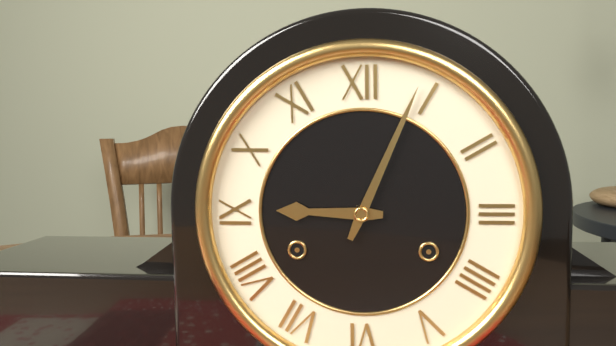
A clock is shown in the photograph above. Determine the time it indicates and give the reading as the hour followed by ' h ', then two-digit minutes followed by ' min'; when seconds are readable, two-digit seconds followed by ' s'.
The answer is 9 h 04 min
